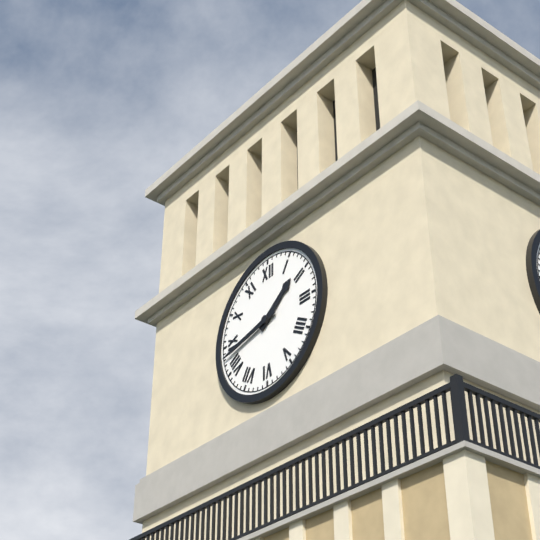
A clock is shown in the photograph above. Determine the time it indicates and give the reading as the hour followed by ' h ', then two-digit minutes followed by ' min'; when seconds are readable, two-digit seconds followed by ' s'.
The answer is 1 h 43 min
